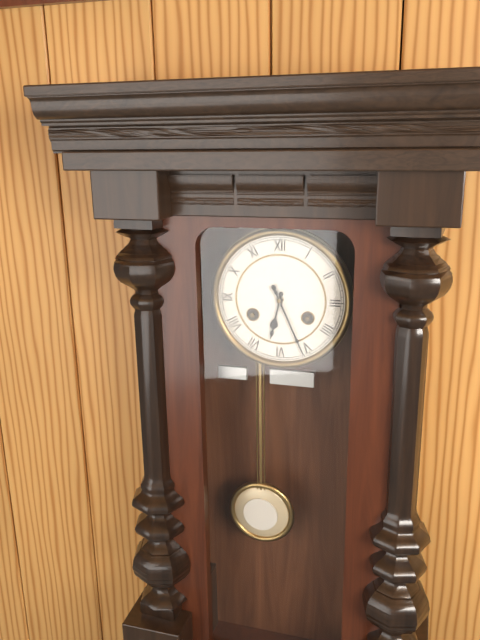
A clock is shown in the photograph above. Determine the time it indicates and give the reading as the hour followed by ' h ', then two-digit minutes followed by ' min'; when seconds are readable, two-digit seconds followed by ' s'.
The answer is 6 h 26 min
